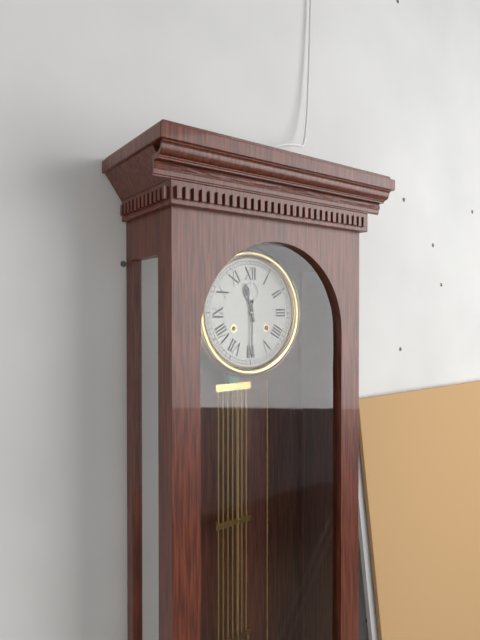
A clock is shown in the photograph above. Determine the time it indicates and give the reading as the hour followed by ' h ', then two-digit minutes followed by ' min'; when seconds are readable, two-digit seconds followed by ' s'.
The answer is 11 h 30 min
